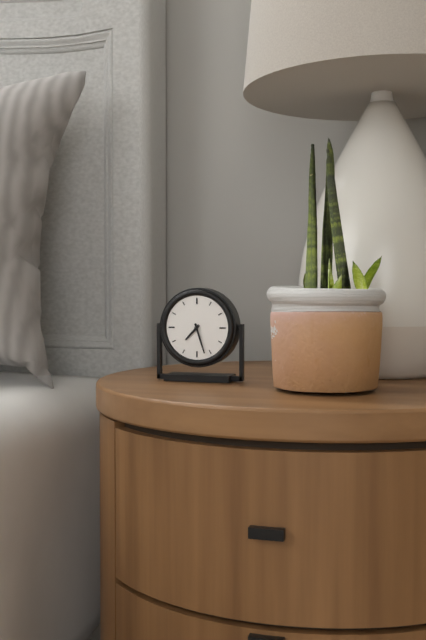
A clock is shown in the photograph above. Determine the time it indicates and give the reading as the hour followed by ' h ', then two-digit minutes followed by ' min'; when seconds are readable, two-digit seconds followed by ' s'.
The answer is 7 h 27 min
